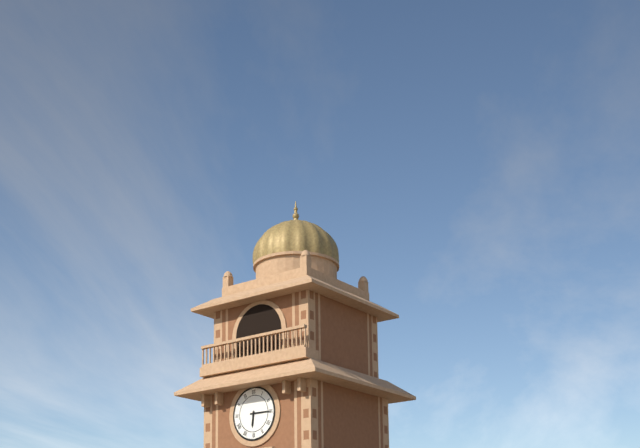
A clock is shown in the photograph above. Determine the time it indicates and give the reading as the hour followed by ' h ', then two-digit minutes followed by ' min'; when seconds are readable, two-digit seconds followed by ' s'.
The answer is 6 h 15 min
